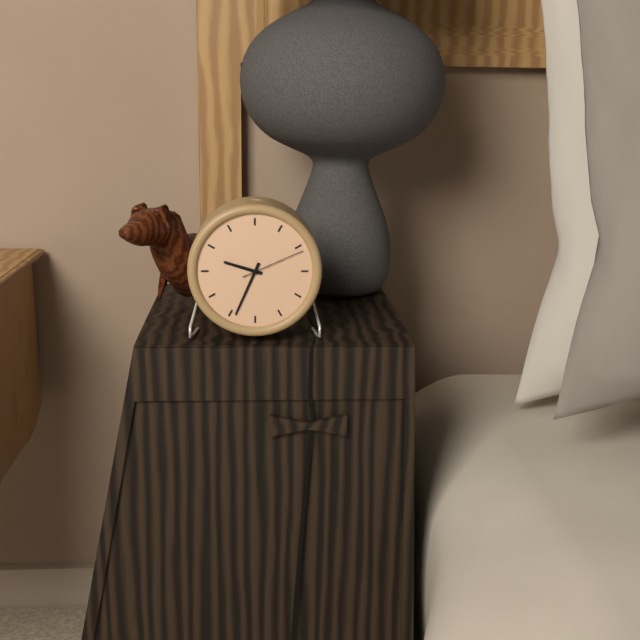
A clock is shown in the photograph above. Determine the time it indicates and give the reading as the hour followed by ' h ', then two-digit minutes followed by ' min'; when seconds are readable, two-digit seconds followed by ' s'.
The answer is 9 h 34 min 11 s
